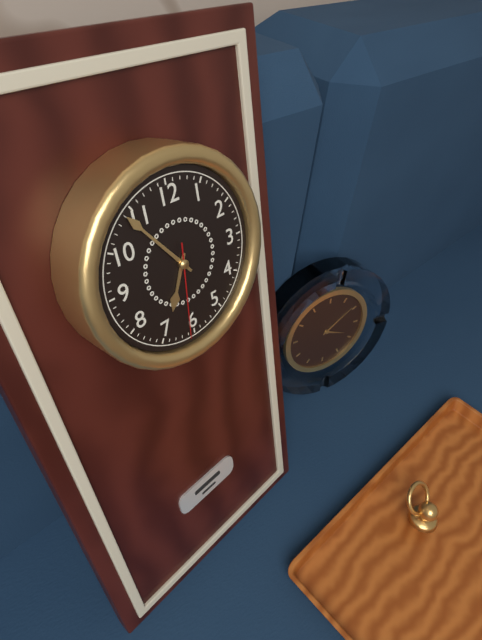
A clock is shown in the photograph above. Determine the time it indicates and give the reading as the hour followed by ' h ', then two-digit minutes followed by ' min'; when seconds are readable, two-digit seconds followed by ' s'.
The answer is 6 h 54 min 31 s
